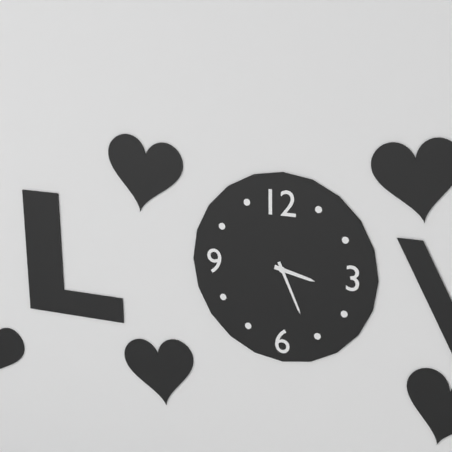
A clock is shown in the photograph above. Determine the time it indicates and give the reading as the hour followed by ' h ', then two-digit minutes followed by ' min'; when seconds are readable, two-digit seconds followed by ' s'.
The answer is 3 h 26 min
